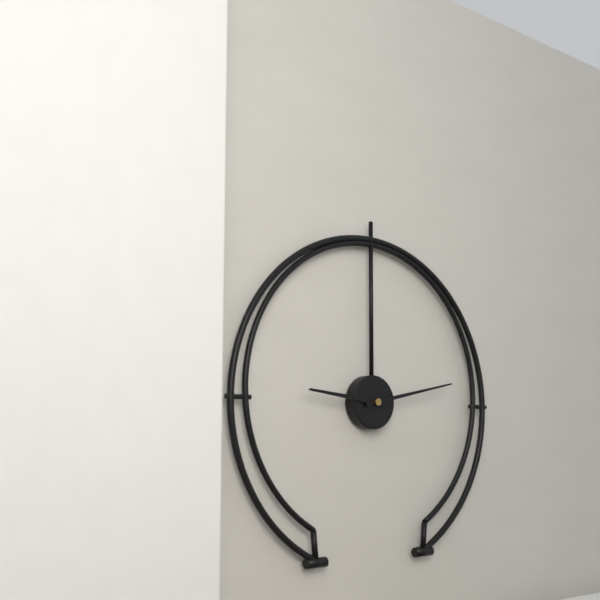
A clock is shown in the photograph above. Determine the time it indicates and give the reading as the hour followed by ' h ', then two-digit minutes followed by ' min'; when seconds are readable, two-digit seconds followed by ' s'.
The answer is 9 h 13 min
